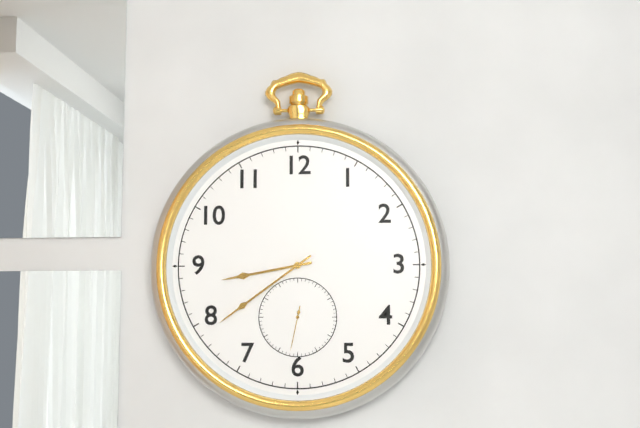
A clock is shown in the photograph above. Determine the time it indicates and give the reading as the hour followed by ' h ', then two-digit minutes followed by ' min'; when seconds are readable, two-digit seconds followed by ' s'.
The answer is 8 h 39 min
